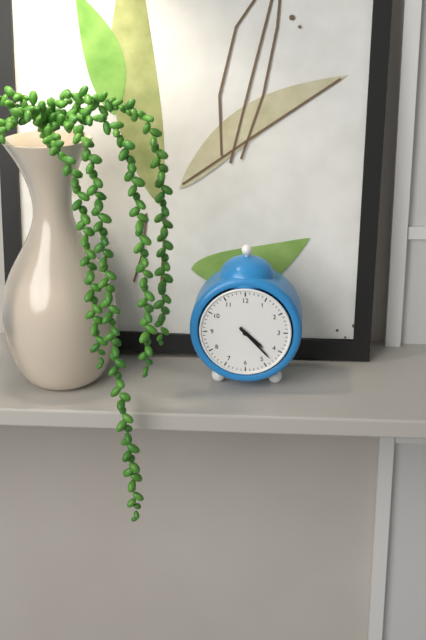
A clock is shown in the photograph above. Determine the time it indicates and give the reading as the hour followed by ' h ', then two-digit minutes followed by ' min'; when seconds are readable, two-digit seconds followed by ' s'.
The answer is 4 h 23 min
